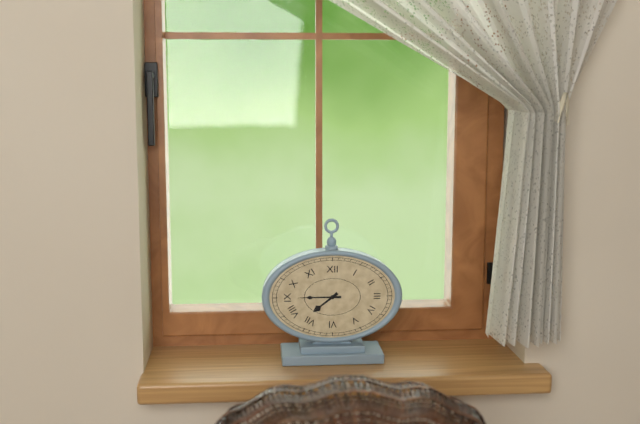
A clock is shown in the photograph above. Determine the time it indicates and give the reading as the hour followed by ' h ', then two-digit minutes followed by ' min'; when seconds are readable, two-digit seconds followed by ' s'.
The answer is 7 h 45 min
